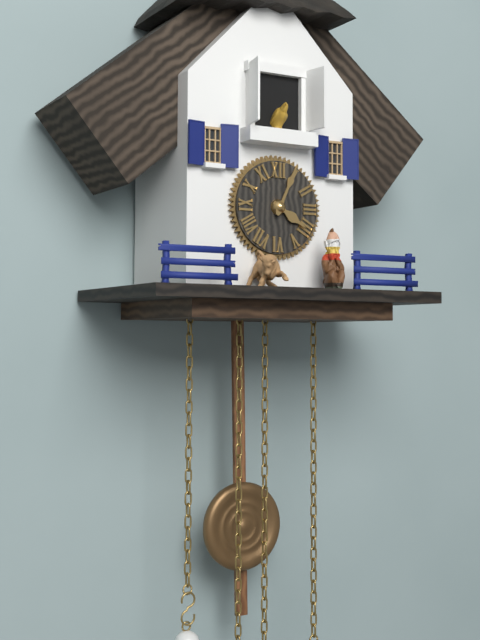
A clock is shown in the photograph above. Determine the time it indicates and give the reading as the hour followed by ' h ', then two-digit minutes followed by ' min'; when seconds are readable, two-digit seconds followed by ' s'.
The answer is 4 h 04 min
